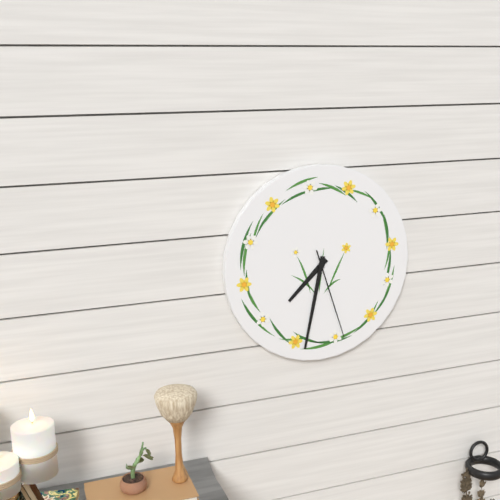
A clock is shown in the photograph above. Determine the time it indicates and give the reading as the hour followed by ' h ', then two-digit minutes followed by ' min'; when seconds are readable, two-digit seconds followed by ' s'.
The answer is 7 h 32 min 27 s
